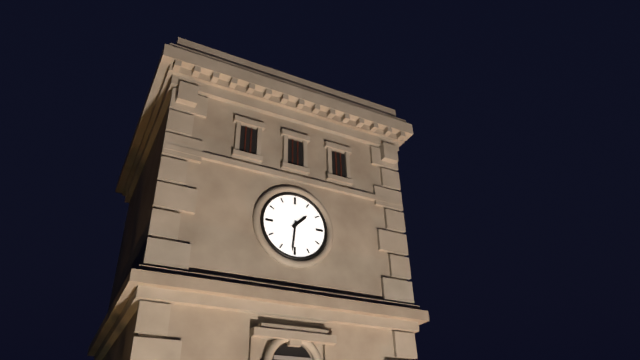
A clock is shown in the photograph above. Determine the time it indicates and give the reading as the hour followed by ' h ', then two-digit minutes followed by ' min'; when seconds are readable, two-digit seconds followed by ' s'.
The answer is 1 h 31 min
